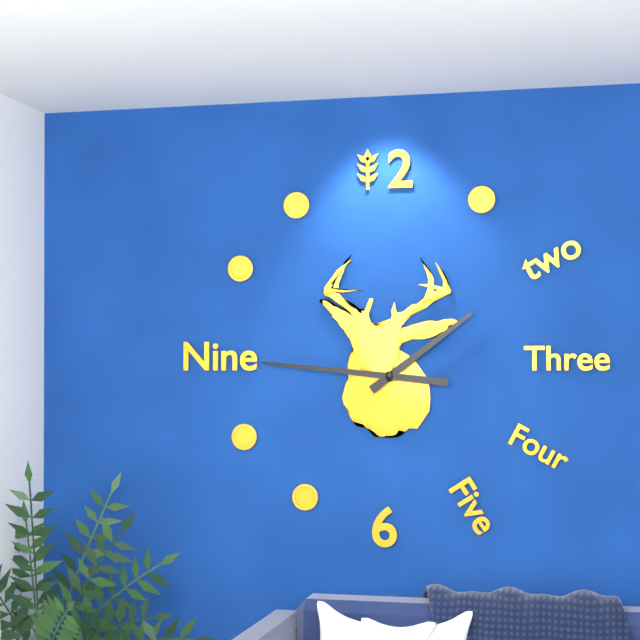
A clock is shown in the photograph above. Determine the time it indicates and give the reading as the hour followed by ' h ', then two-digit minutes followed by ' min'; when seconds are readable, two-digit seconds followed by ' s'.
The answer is 1 h 46 min
